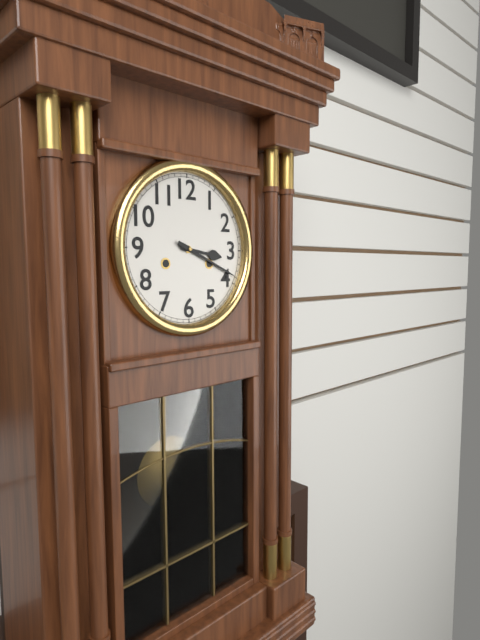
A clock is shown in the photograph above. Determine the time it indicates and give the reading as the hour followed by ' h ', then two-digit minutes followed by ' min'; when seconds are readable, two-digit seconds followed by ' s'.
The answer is 3 h 19 min
